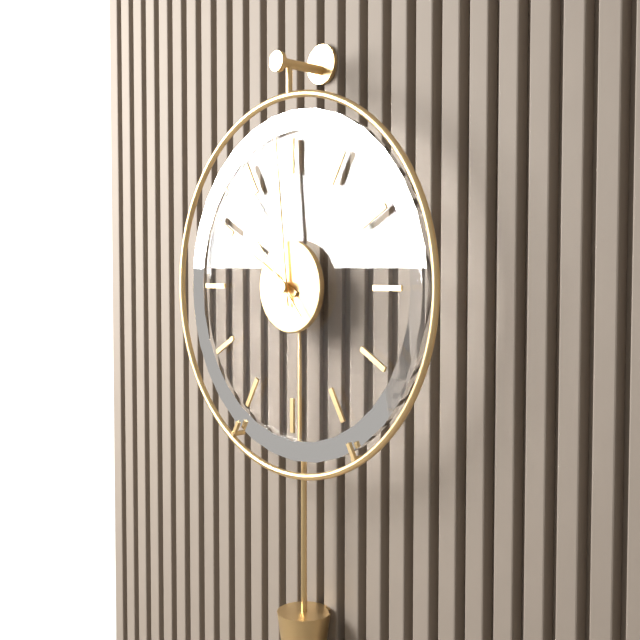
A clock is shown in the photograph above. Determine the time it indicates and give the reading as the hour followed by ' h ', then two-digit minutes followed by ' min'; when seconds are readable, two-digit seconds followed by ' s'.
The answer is 9 h 59 min 53 s
